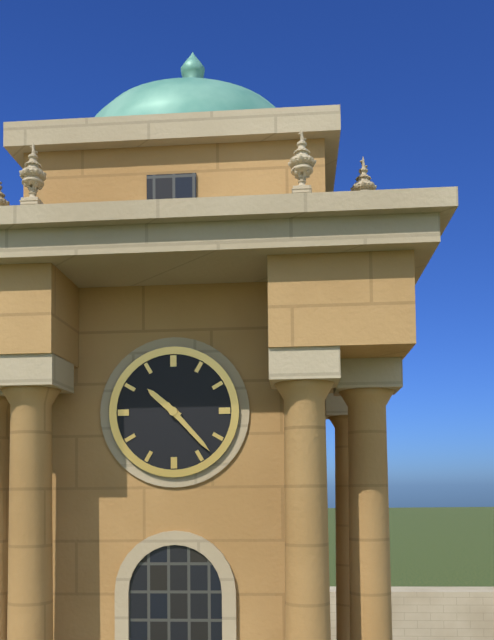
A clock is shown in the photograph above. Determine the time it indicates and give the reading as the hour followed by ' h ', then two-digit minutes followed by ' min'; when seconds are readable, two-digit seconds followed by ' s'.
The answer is 10 h 23 min
